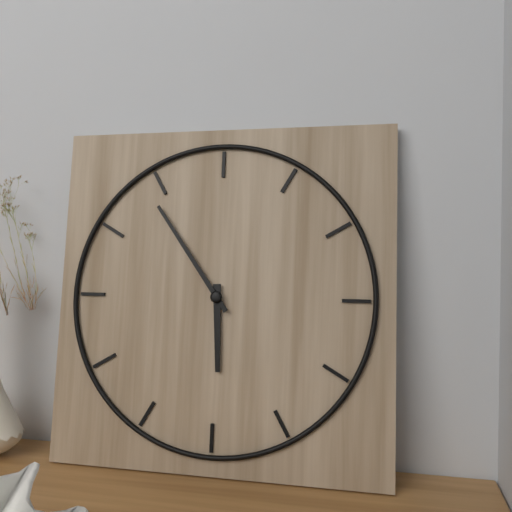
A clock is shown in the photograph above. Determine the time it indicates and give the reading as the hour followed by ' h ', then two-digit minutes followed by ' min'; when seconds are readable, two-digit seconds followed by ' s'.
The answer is 5 h 54 min
